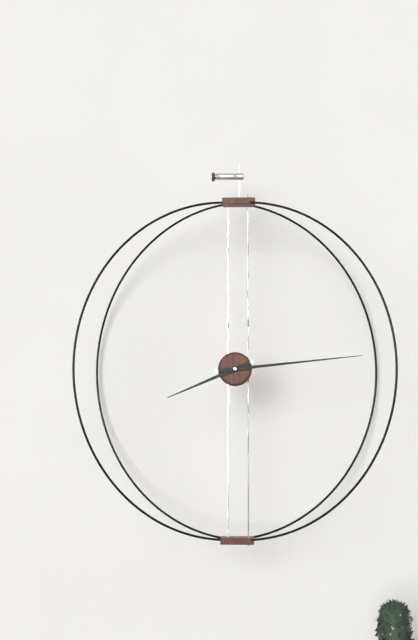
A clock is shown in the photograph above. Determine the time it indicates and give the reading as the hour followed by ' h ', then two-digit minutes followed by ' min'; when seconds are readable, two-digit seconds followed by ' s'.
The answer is 8 h 14 min
